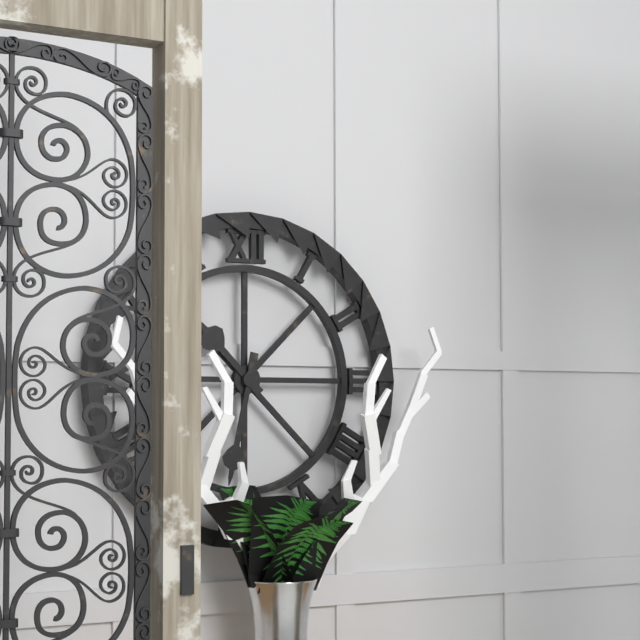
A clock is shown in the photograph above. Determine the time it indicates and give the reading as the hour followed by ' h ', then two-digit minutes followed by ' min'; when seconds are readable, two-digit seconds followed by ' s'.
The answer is 10 h 32 min
